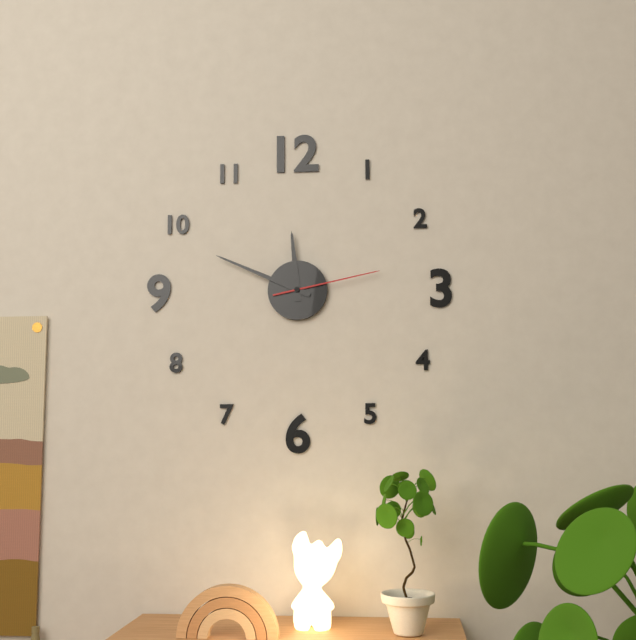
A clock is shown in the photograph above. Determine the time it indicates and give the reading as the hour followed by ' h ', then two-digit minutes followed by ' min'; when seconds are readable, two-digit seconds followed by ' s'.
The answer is 11 h 49 min 13 s
